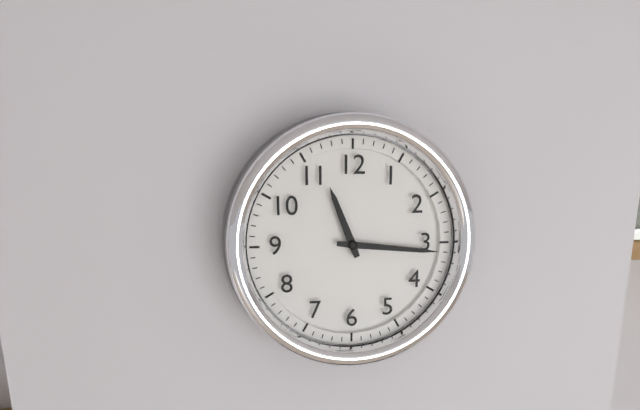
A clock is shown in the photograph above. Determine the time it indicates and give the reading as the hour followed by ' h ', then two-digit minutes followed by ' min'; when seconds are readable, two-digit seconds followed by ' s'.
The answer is 11 h 16 min
